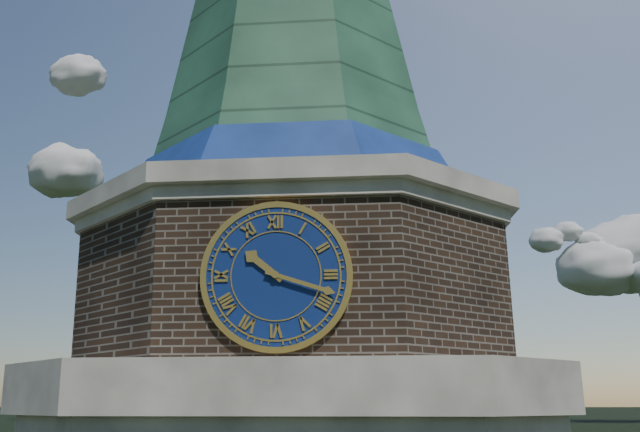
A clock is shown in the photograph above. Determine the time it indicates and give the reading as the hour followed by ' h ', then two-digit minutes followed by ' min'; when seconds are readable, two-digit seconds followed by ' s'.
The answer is 10 h 18 min
